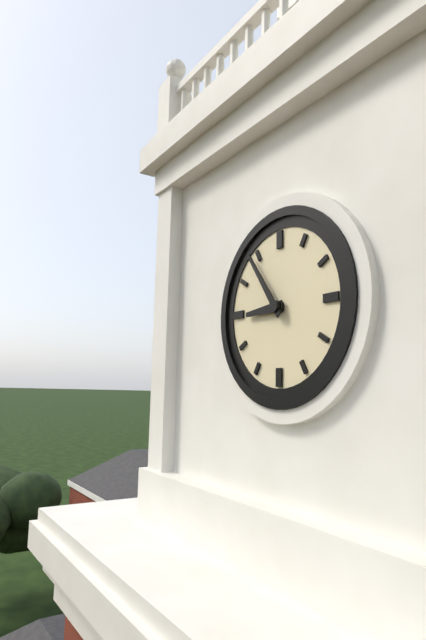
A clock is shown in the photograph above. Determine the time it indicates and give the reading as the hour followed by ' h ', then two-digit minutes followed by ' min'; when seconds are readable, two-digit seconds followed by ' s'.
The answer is 8 h 54 min
